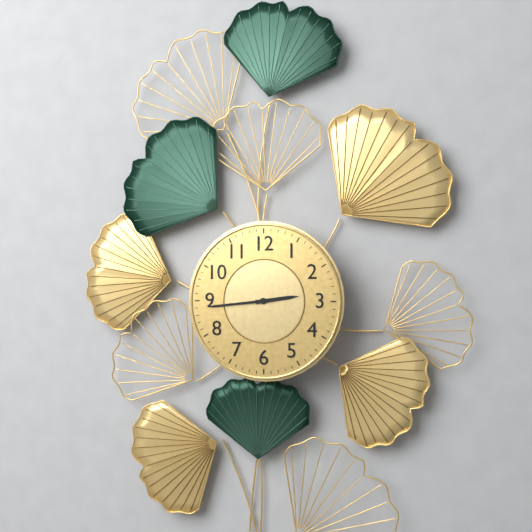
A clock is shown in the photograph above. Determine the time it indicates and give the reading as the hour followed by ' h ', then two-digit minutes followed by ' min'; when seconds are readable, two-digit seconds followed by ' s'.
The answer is 2 h 44 min
